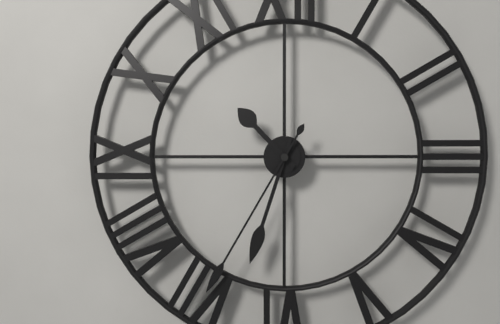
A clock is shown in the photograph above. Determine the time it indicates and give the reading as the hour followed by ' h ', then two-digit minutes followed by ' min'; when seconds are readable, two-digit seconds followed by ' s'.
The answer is 10 h 33 min 35 s
